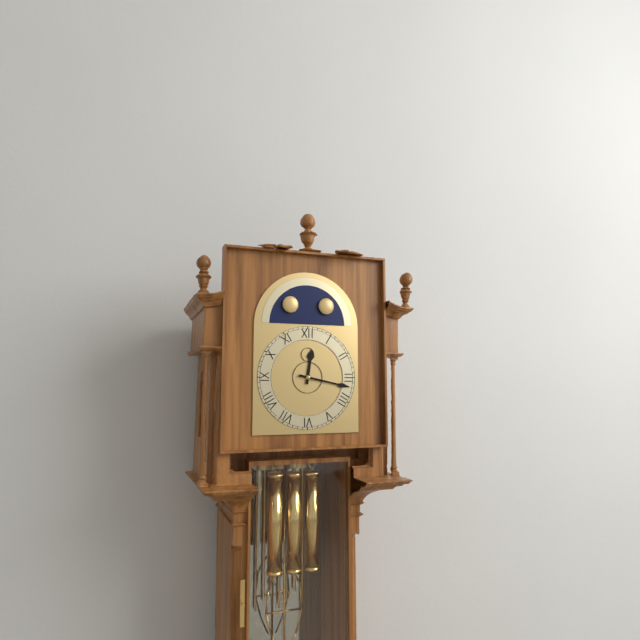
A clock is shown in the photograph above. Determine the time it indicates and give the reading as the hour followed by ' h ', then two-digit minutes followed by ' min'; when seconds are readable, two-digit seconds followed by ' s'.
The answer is 12 h 17 min
